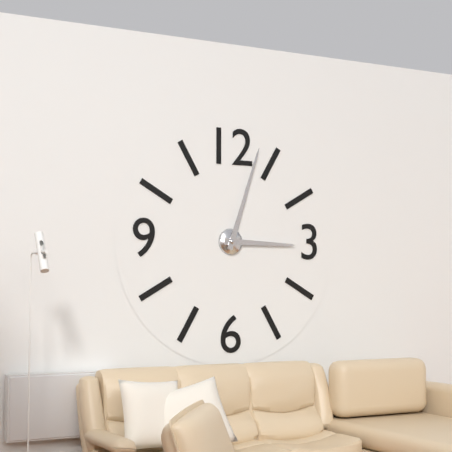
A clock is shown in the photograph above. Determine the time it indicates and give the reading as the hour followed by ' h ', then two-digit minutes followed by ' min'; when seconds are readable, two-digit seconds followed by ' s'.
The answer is 3 h 03 min
